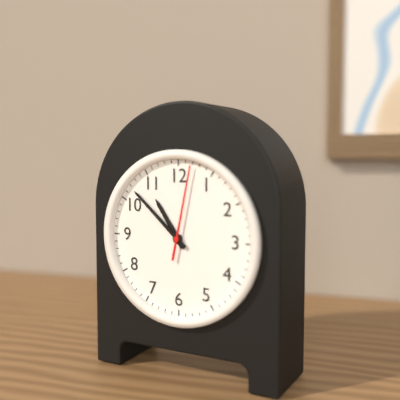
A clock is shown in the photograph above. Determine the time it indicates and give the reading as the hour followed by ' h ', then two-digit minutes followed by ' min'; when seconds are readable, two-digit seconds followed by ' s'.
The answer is 10 h 52 min 02 s
